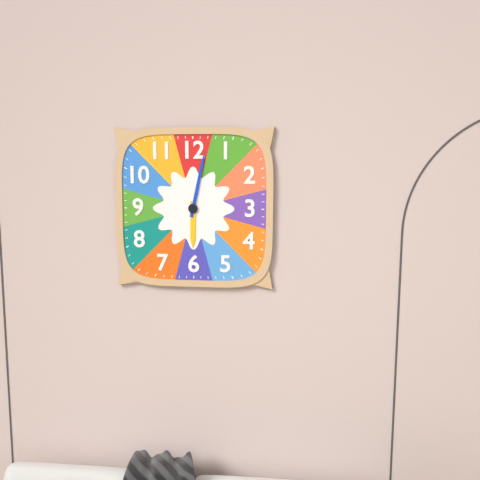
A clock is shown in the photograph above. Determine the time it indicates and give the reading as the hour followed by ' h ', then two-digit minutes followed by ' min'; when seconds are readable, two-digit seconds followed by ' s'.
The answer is 6 h 02 min
